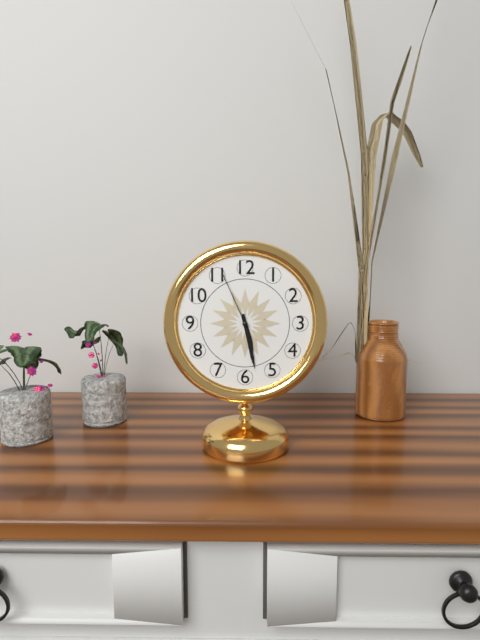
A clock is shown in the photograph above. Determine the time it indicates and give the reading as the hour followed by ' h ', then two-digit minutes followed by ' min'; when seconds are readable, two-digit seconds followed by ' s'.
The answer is 5 h 28 min 56 s
